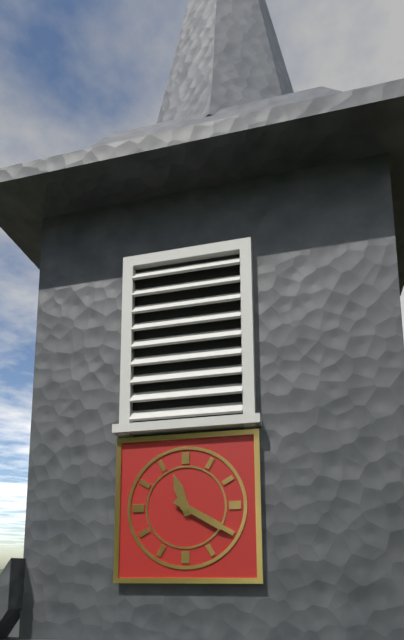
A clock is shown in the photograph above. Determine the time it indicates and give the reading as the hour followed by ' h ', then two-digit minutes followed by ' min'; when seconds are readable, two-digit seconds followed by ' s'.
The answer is 11 h 20 min
